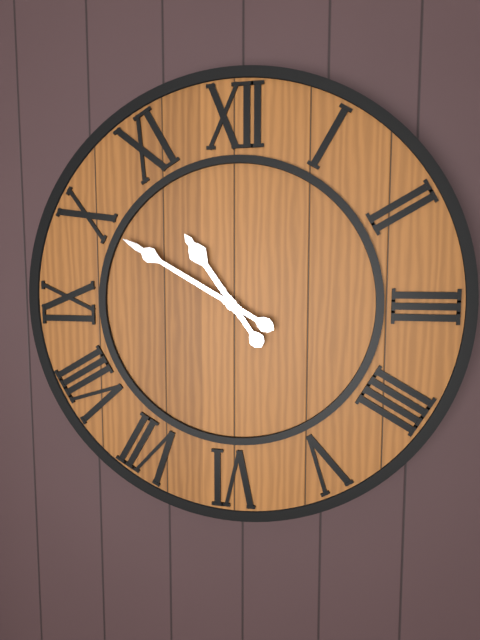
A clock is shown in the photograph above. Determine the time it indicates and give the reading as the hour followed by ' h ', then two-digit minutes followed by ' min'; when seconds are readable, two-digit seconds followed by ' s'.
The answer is 10 h 50 min
